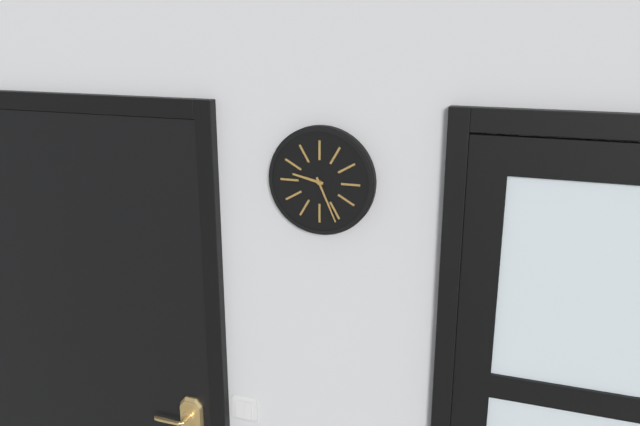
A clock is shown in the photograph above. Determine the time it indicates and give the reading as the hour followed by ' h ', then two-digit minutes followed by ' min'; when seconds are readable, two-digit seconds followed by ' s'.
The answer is 9 h 26 min
